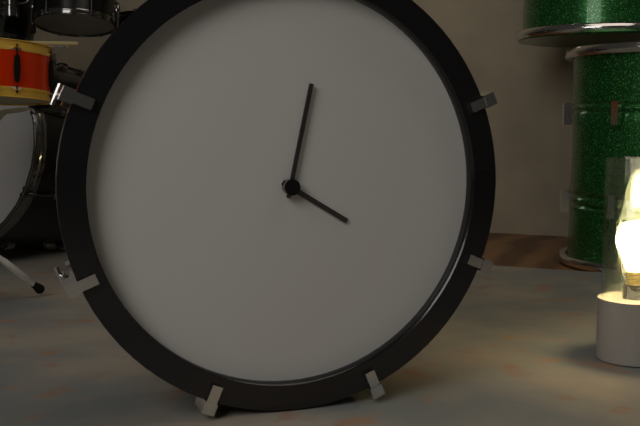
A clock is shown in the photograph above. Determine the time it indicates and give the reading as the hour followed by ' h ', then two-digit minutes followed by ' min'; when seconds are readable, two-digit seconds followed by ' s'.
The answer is 4 h 02 min
